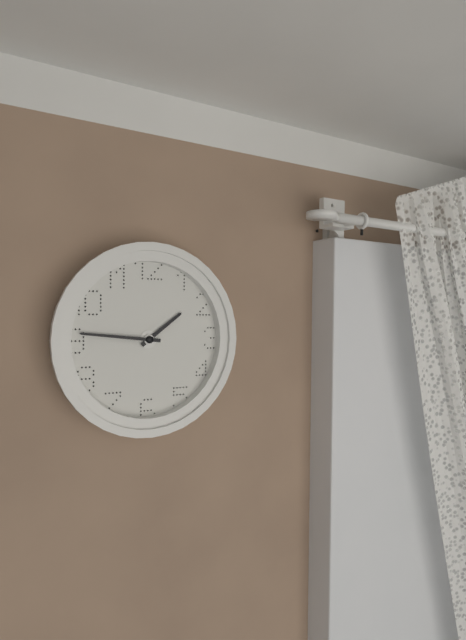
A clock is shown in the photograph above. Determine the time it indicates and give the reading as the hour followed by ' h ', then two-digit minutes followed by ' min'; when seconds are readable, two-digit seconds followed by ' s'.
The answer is 1 h 46 min
